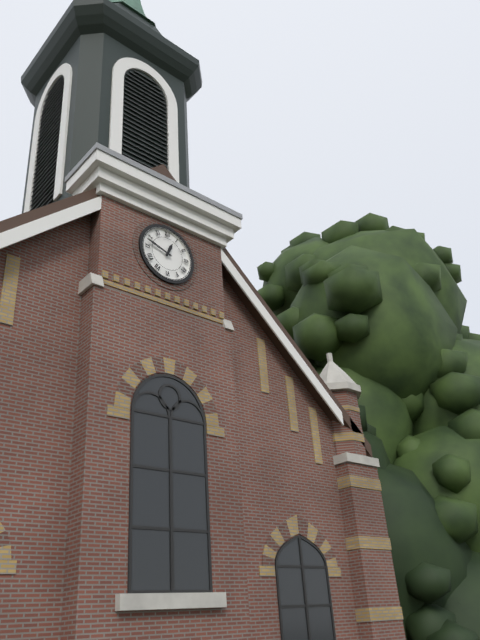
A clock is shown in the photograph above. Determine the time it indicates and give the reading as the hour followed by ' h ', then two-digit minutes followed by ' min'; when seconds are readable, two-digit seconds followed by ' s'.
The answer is 12 h 48 min
